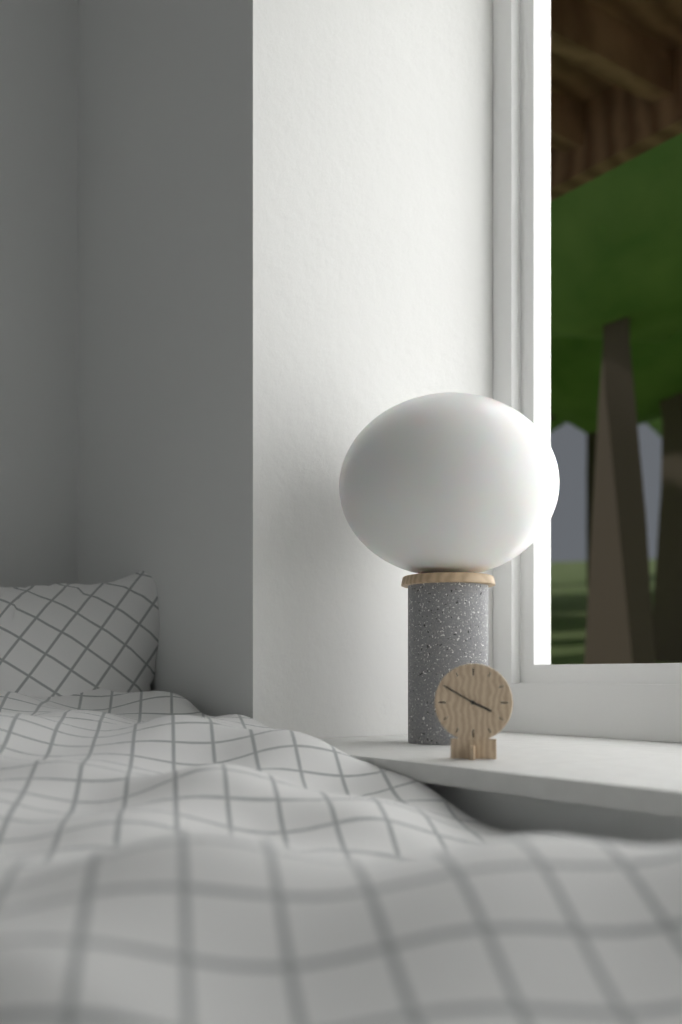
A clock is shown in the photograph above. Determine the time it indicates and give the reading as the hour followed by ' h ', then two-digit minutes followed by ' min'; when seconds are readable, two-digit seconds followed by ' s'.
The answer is 3 h 50 min
